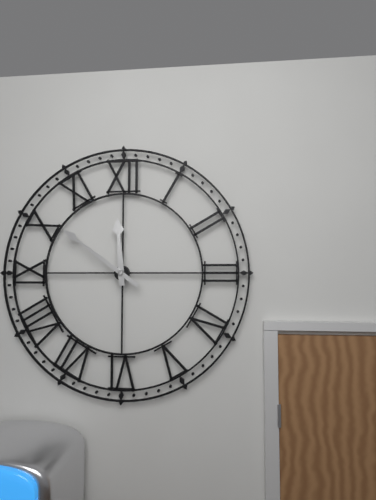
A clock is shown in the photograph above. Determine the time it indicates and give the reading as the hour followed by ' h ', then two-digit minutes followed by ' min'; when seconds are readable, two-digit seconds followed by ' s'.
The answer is 11 h 51 min
